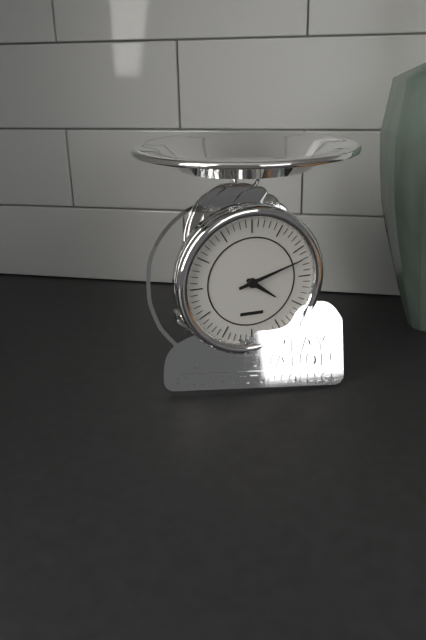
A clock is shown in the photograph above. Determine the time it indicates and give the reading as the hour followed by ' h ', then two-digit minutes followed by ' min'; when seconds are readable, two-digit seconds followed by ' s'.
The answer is 4 h 12 min
